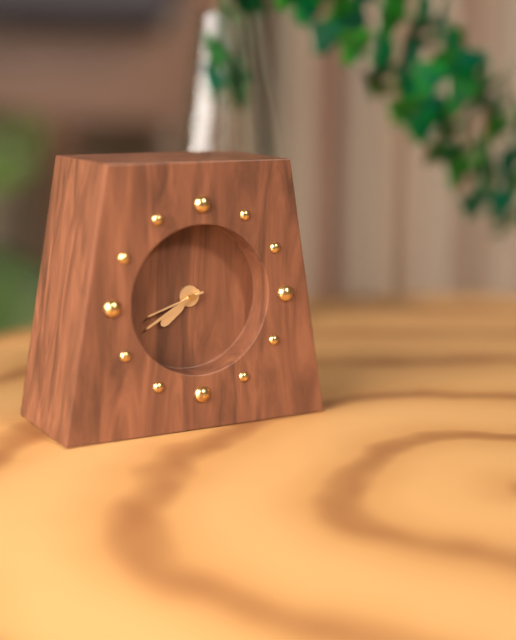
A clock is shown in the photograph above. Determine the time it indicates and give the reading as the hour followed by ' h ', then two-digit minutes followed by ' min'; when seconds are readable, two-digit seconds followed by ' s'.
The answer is 7 h 40 min 42 s
